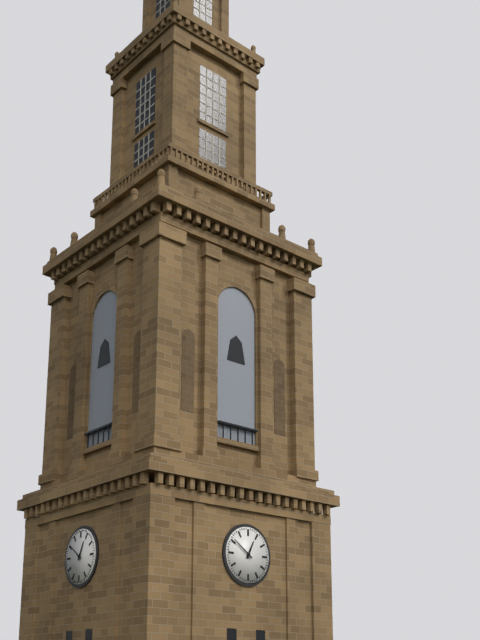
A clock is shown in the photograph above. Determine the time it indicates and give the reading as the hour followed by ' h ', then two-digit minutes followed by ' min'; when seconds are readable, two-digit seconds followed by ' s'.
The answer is 12 h 51 min
